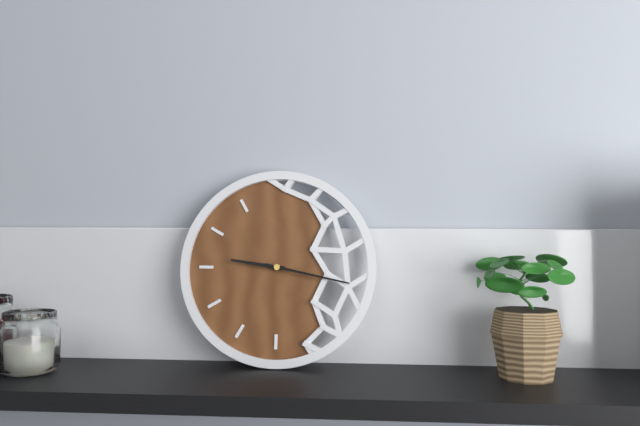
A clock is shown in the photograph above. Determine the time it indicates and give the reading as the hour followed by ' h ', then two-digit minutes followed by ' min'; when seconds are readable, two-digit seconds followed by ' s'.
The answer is 9 h 17 min
